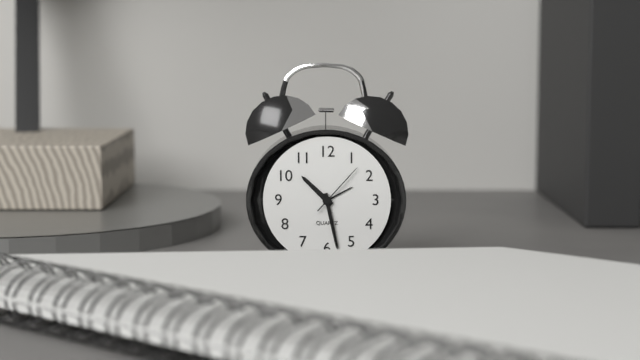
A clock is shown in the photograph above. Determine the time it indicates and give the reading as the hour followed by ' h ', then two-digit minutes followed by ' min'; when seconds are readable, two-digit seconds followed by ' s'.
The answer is 10 h 28 min 07 s
